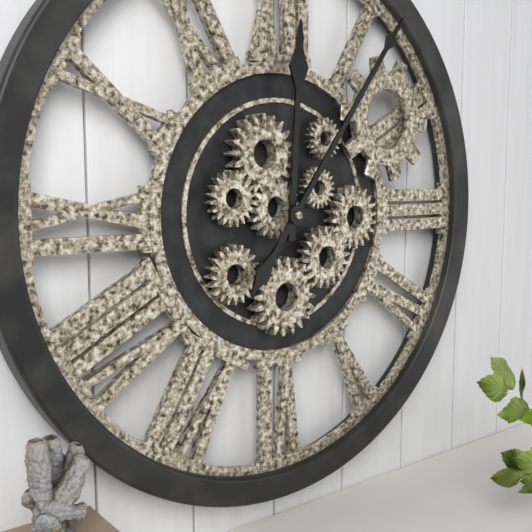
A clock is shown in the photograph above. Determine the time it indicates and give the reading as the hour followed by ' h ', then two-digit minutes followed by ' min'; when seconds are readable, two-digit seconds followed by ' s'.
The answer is 12 h 06 min
